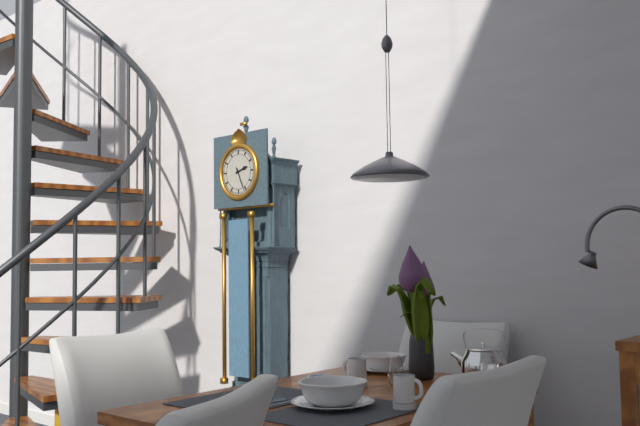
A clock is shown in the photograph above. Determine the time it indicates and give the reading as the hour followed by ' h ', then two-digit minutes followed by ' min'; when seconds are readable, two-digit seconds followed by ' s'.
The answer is 2 h 26 min
